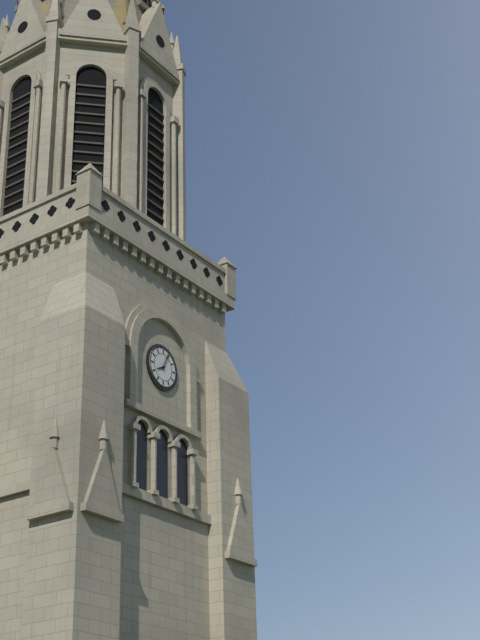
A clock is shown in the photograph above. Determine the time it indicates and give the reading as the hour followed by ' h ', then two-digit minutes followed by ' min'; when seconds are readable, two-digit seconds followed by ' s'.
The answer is 8 h 04 min
